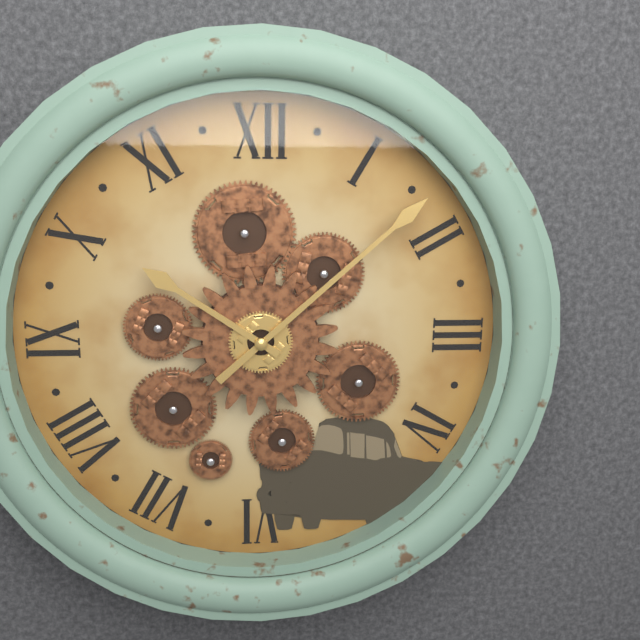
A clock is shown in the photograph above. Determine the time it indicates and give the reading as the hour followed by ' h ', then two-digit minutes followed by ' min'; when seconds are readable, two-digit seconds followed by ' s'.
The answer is 10 h 08 min
